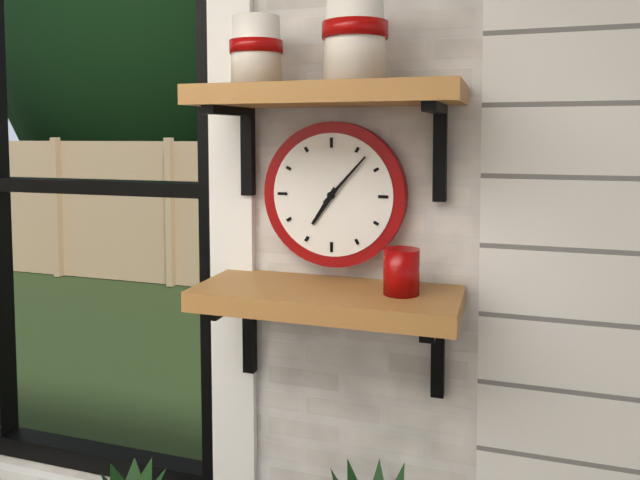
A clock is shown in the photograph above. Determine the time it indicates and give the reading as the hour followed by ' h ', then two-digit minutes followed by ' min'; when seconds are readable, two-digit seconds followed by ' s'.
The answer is 7 h 07 min
